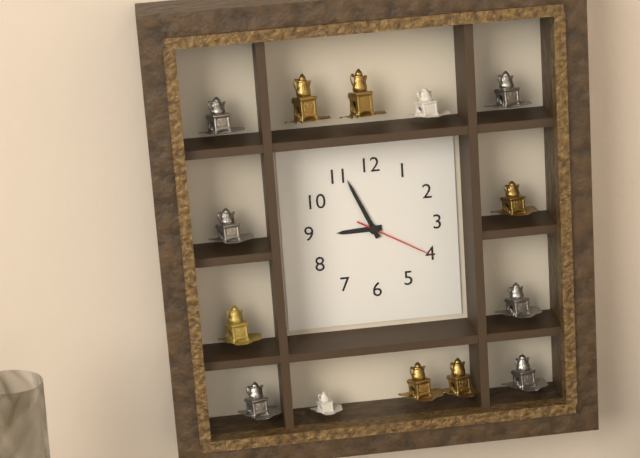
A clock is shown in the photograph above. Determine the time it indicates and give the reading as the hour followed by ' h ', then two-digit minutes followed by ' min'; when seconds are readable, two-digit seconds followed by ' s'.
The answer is 8 h 56 min 20 s
